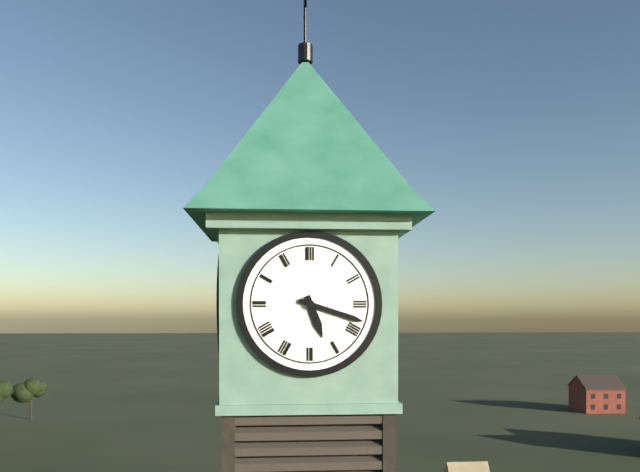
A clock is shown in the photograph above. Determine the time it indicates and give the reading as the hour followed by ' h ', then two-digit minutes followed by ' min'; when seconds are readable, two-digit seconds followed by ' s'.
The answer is 5 h 18 min
